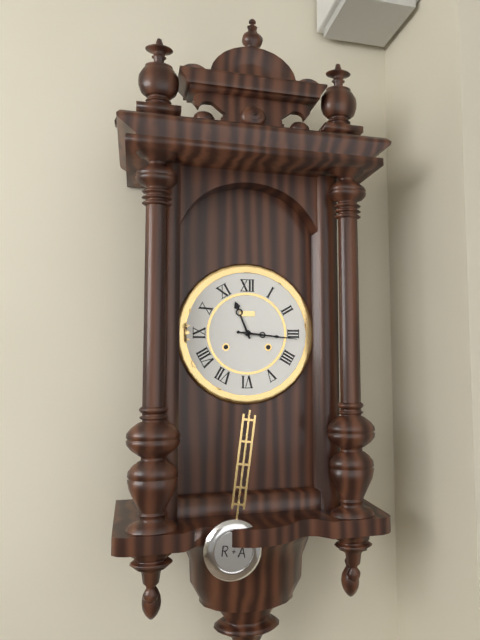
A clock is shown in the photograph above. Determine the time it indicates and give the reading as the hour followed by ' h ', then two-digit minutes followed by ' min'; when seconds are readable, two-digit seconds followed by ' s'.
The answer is 11 h 16 min
